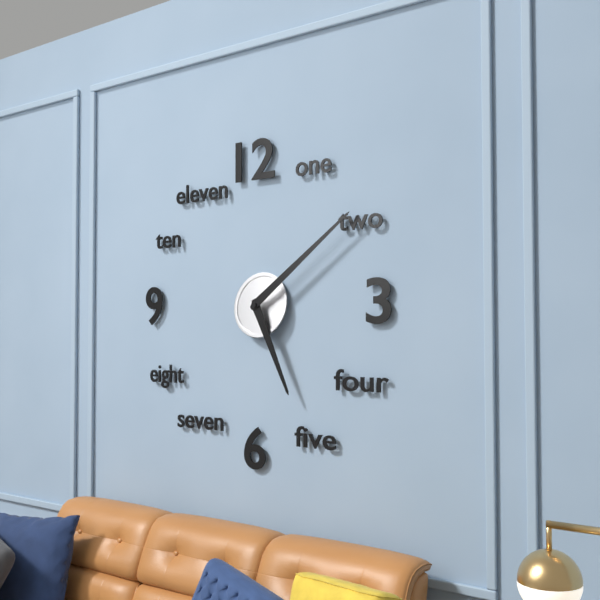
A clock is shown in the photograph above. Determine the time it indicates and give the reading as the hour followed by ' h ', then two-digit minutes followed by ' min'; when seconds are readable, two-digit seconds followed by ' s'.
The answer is 5 h 09 min
